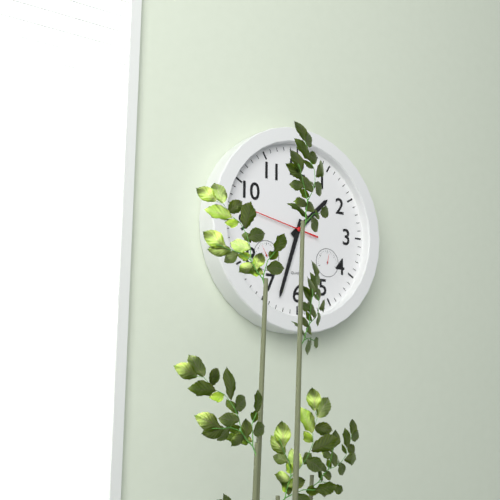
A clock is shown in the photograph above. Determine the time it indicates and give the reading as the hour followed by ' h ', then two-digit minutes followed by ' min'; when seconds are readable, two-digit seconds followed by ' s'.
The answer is 1 h 33 min 47 s
